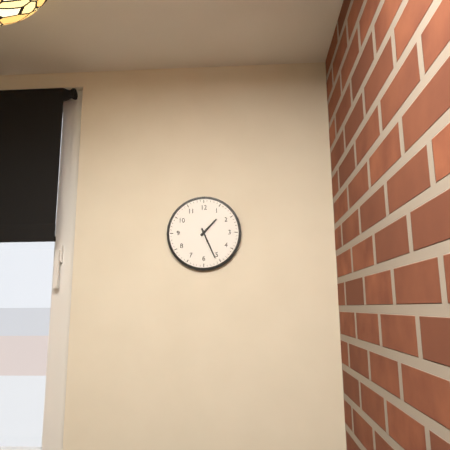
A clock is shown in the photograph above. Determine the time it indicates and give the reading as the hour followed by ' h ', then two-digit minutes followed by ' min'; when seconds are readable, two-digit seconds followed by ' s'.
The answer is 1 h 26 min
